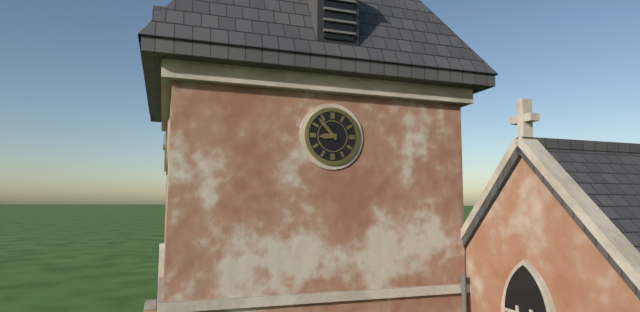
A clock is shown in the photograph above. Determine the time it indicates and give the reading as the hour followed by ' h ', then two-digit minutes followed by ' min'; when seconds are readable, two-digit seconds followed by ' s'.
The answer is 8 h 53 min
